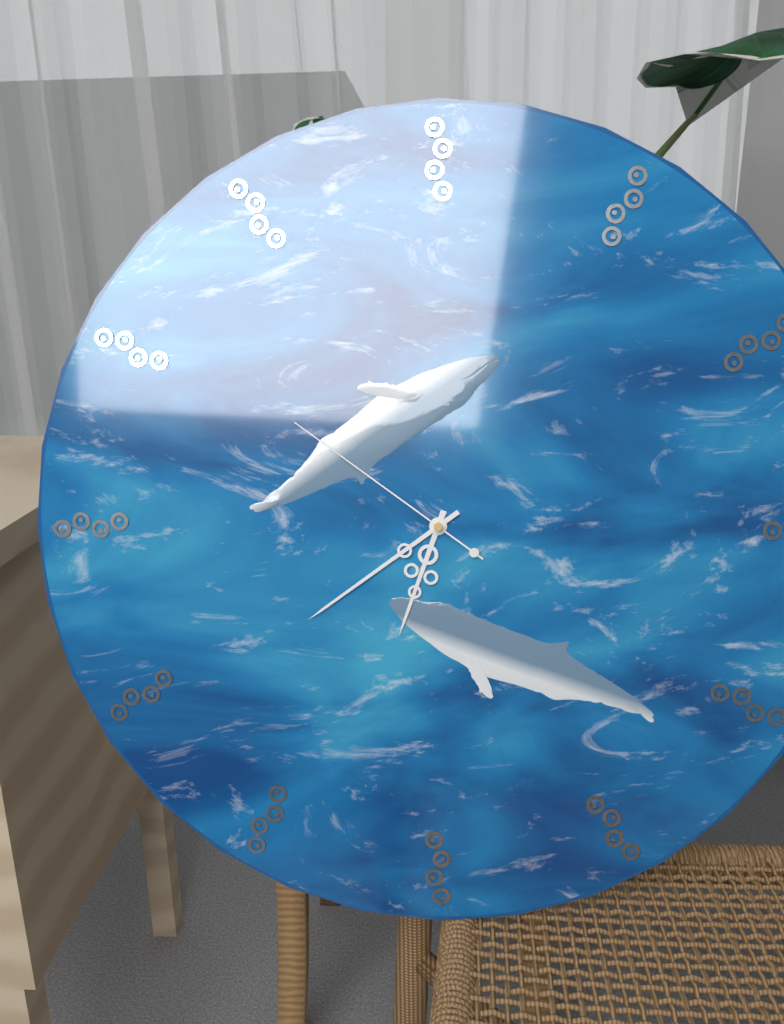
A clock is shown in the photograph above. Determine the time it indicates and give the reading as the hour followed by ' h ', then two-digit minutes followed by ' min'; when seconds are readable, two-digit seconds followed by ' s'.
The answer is 6 h 39 min 51 s
